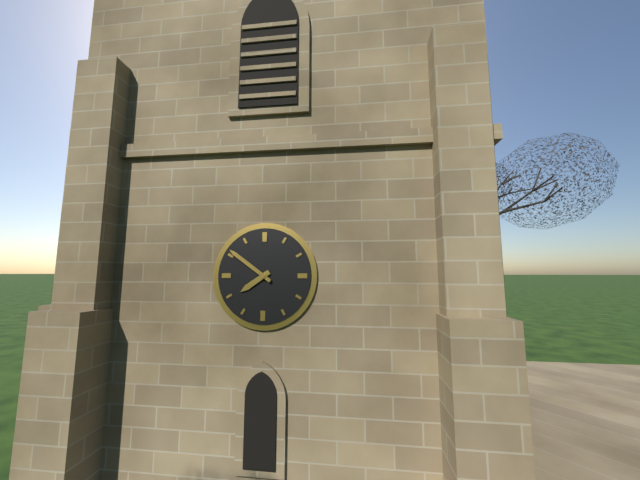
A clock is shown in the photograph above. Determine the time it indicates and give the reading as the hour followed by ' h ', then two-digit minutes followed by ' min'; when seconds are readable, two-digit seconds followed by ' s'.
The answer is 7 h 51 min
